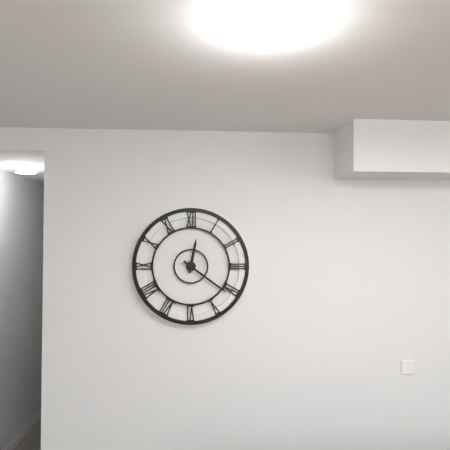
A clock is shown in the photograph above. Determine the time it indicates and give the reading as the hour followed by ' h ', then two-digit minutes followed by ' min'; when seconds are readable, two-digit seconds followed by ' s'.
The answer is 12 h 21 min
